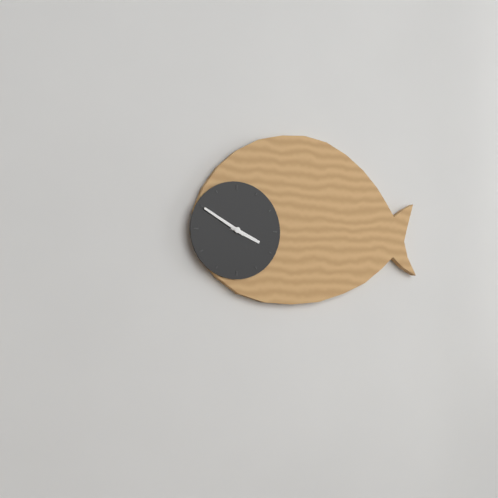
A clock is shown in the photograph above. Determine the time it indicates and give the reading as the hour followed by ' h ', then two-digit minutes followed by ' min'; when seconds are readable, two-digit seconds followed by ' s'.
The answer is 3 h 50 min
